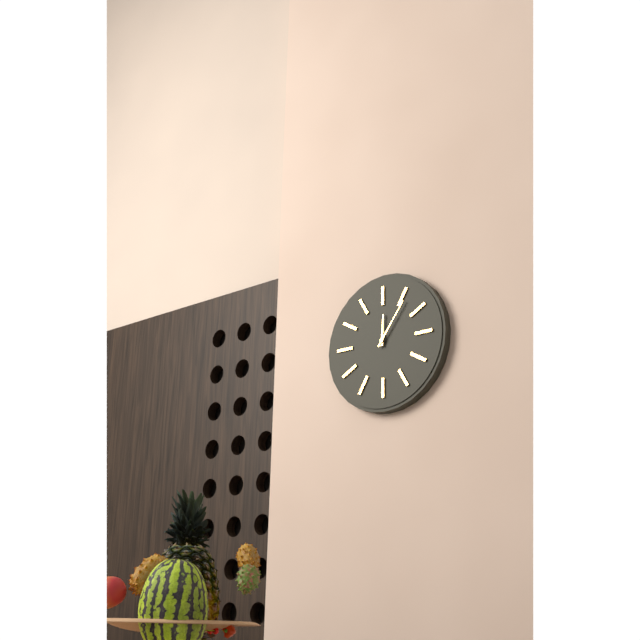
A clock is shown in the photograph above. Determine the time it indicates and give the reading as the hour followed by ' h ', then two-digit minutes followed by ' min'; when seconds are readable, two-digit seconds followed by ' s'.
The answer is 12 h 06 min
